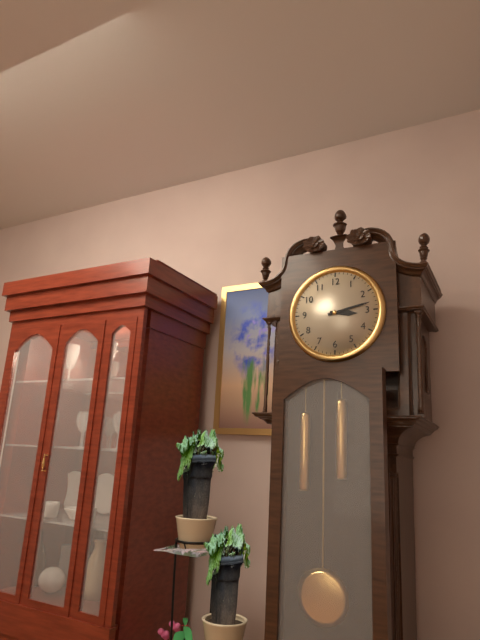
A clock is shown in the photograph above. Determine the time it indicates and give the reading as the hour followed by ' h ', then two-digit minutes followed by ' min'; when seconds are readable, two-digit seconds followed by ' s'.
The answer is 3 h 13 min
